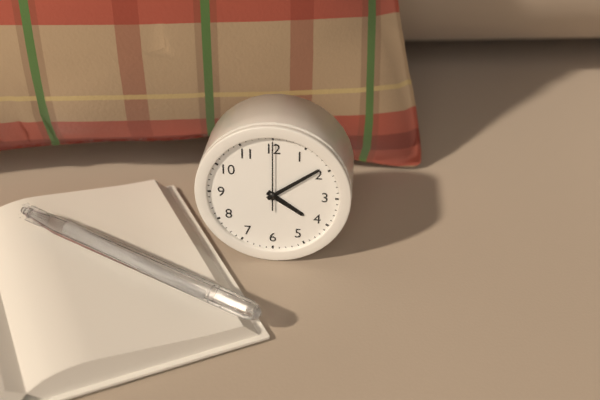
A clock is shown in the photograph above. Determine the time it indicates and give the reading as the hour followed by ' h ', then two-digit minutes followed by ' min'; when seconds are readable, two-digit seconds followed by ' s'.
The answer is 4 h 09 min 00 s
